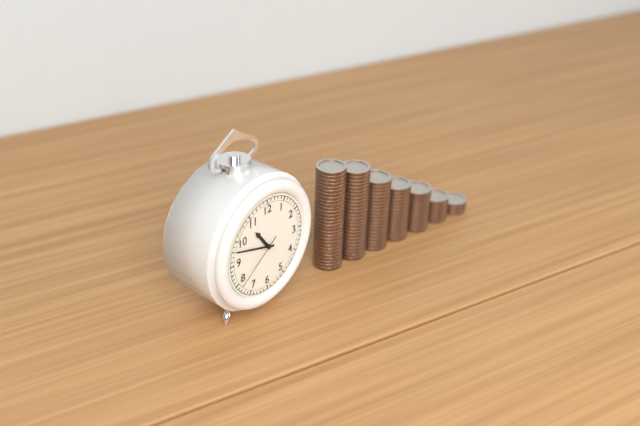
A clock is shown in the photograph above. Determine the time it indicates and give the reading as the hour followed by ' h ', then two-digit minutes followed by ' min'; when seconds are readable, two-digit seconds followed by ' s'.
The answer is 10 h 48 min 39 s
